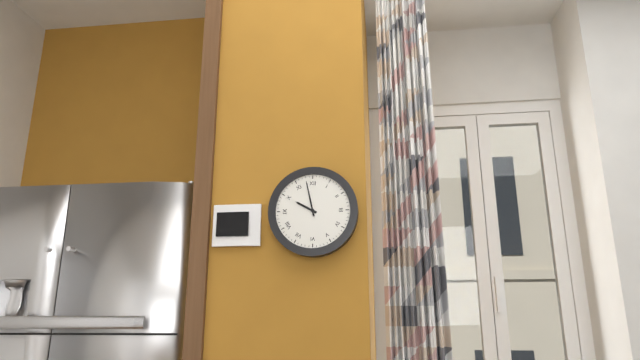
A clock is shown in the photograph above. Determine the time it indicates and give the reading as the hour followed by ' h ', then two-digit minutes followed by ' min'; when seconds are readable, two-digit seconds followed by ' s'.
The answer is 9 h 58 min
